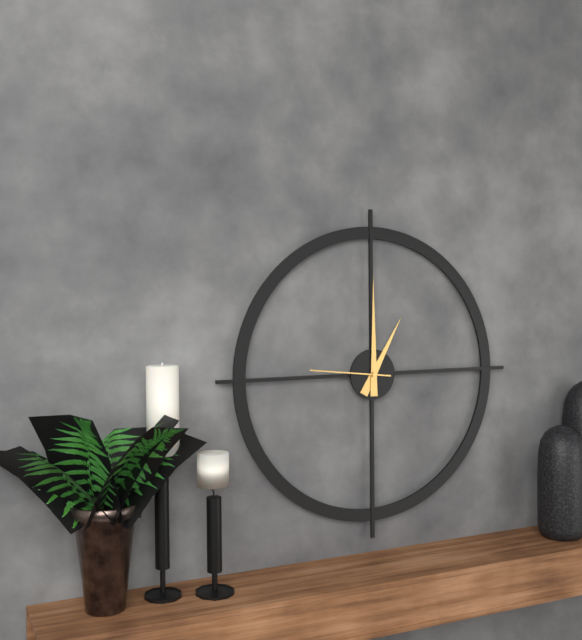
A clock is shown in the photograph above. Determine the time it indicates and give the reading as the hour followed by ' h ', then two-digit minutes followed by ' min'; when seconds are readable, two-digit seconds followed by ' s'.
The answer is 1 h 00 min 46 s
